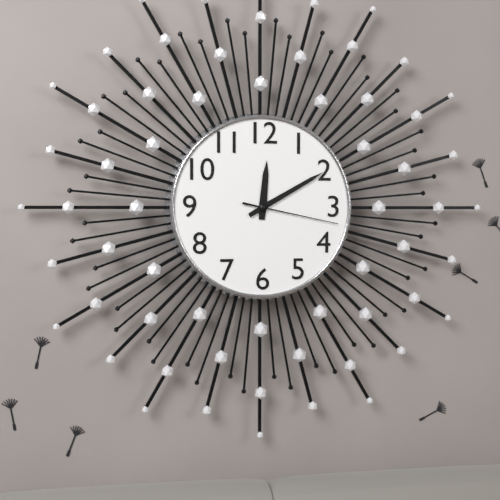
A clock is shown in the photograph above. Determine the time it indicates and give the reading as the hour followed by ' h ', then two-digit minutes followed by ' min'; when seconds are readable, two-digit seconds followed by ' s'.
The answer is 12 h 10 min 17 s
